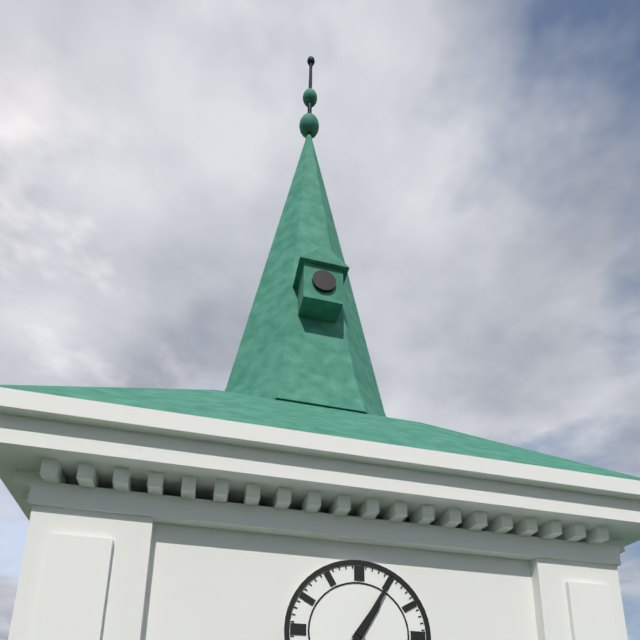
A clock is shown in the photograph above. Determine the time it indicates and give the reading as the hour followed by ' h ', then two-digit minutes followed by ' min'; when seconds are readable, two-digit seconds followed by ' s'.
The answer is 1 h 05 min
